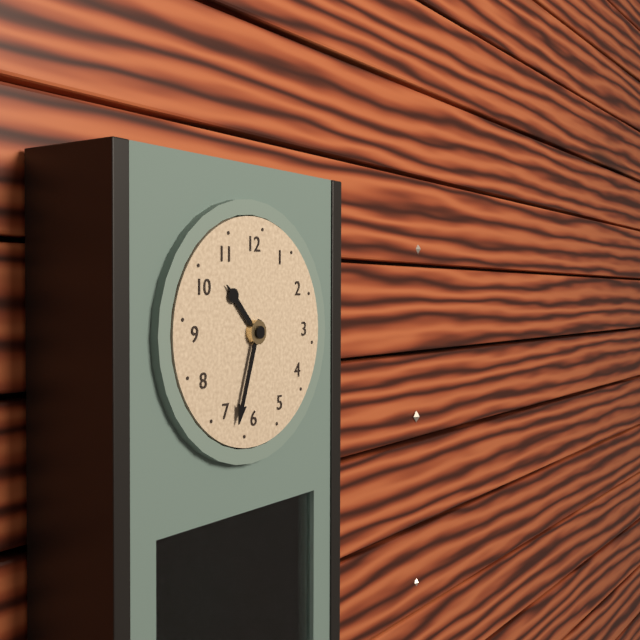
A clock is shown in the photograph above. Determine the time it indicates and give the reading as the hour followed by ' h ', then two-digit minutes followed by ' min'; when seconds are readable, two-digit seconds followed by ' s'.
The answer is 10 h 33 min
